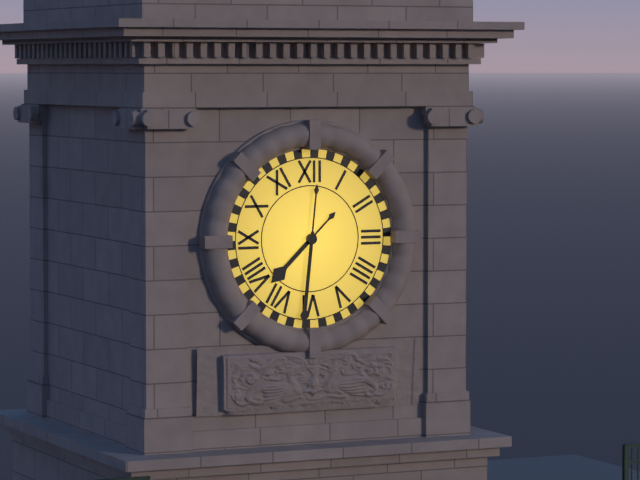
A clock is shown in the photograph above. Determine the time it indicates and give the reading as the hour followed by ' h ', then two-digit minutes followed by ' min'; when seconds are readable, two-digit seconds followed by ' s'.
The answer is 7 h 31 min
